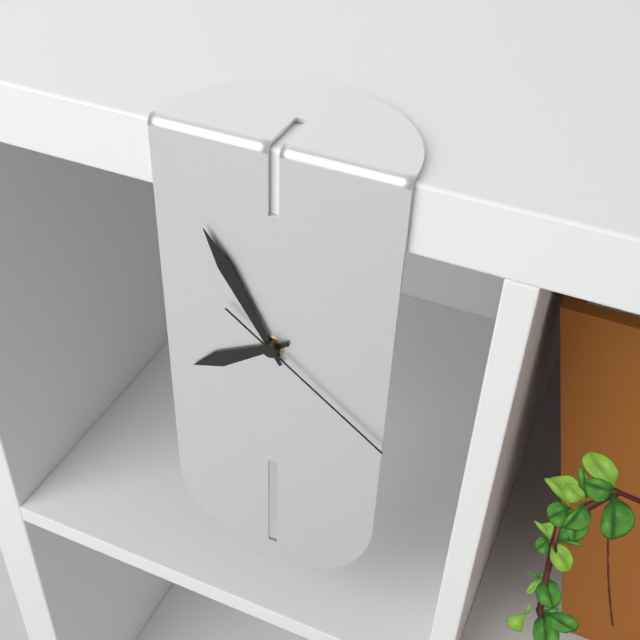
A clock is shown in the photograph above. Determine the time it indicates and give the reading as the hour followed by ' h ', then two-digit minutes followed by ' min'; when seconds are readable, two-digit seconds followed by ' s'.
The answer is 7 h 55 min 21 s
